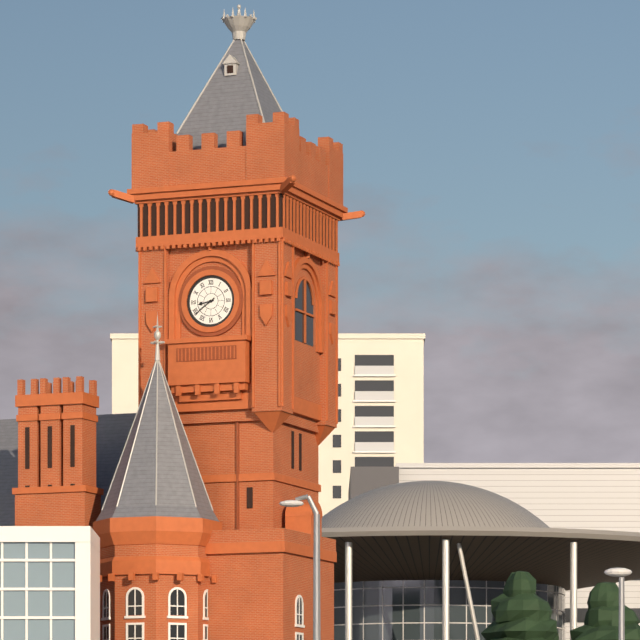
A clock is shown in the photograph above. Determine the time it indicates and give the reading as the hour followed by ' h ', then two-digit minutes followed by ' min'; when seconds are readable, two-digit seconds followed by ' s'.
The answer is 8 h 39 min
